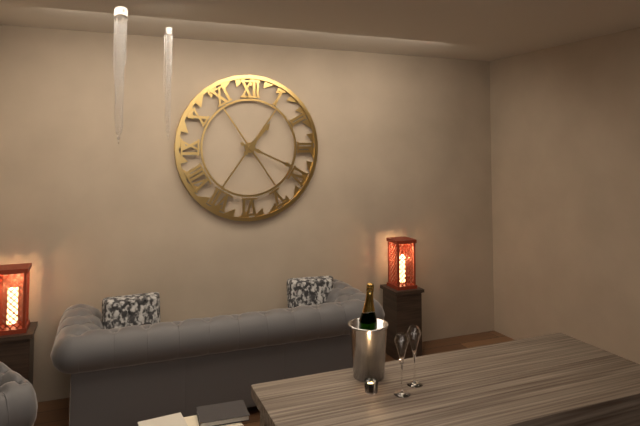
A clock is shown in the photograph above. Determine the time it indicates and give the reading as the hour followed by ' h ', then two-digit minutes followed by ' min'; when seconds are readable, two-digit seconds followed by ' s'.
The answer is 1 h 19 min
